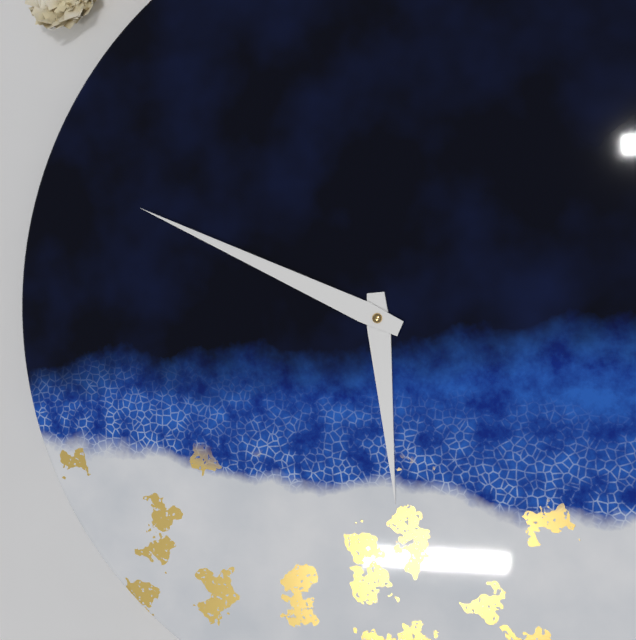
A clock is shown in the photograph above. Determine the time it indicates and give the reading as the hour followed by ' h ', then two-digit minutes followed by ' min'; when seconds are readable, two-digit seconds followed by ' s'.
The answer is 5 h 49 min
